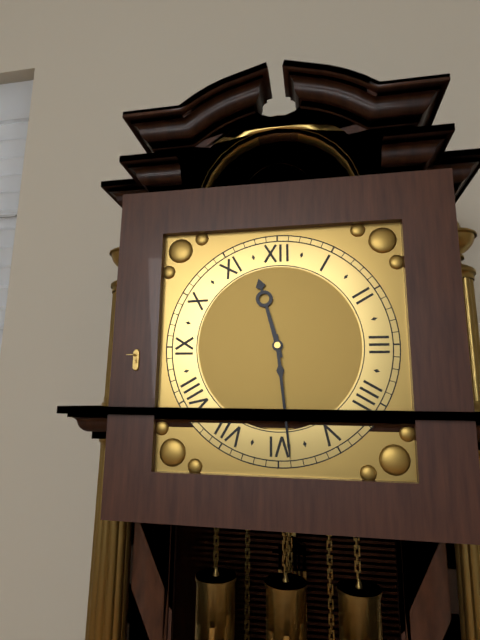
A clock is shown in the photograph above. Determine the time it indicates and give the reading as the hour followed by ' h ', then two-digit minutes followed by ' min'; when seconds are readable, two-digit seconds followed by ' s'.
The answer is 11 h 29 min
